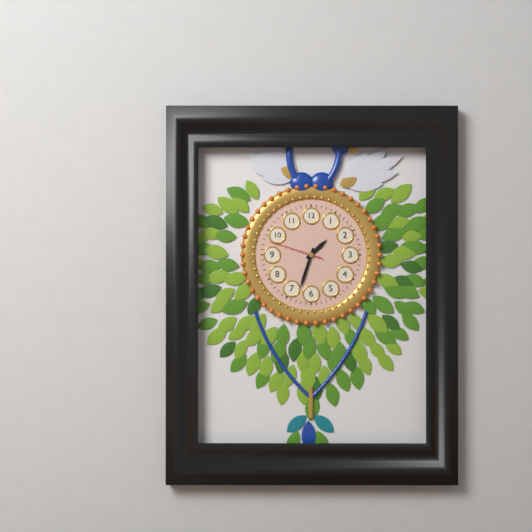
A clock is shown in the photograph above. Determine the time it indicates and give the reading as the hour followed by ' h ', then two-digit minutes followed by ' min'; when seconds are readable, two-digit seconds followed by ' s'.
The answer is 1 h 33 min 48 s
